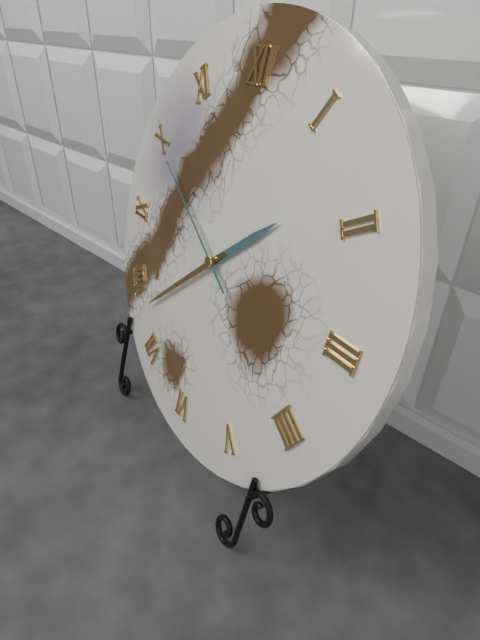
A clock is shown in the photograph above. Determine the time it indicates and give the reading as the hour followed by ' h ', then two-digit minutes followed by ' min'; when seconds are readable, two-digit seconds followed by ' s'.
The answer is 1 h 38 min 50 s
